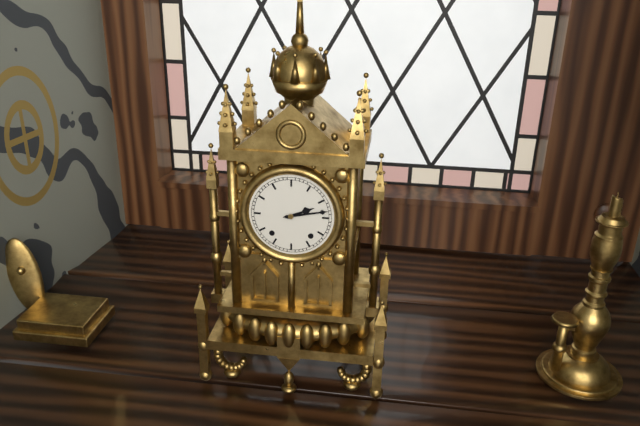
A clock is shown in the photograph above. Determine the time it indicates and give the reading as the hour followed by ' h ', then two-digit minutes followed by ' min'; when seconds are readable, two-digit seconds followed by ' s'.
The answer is 2 h 13 min
